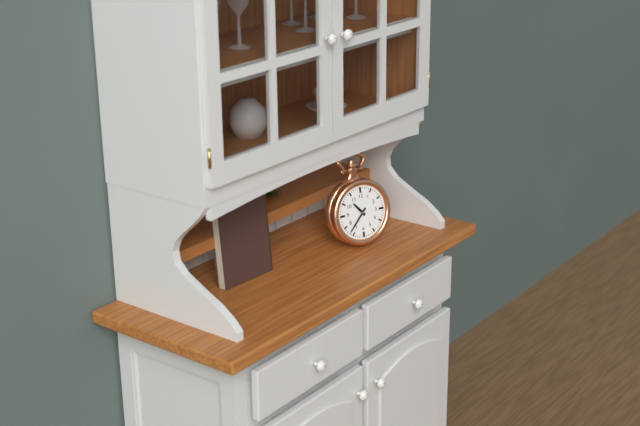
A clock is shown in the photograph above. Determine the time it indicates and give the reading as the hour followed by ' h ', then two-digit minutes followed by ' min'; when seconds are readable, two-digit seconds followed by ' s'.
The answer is 10 h 37 min
